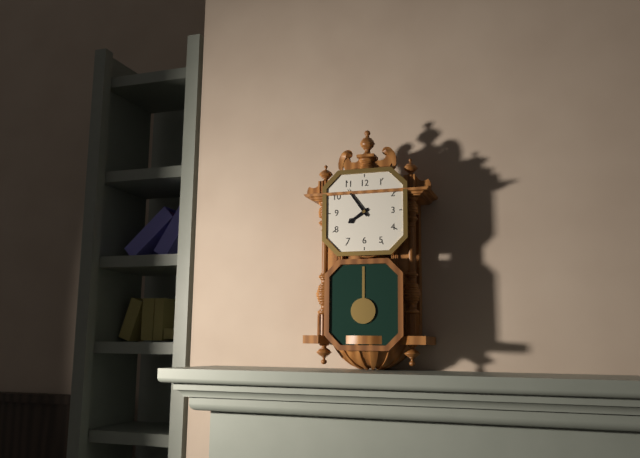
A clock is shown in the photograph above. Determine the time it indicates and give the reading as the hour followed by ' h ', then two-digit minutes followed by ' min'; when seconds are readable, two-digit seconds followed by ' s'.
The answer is 7 h 54 min
